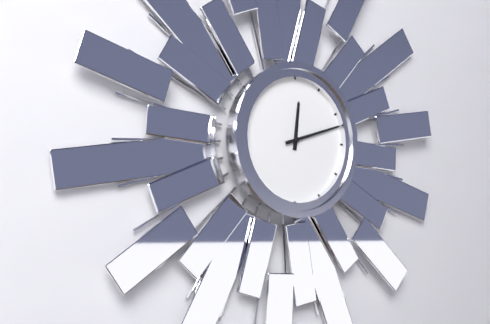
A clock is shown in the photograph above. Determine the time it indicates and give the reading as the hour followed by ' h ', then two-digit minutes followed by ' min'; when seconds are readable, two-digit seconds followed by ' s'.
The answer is 12 h 12 min
